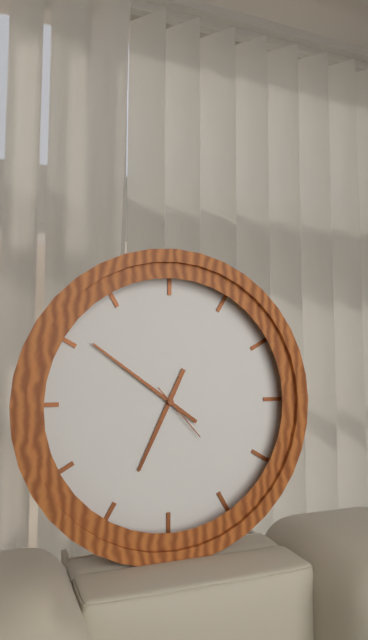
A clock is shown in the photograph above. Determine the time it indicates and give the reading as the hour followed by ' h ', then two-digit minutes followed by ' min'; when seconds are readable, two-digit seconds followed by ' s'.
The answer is 6 h 51 min 23 s
